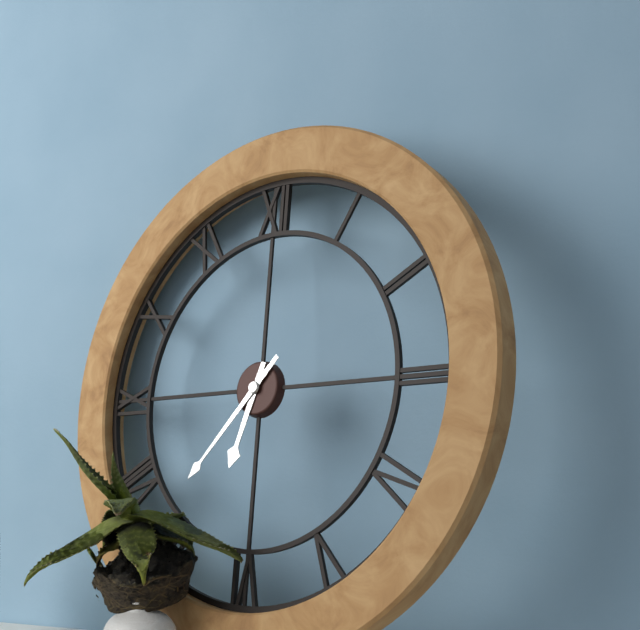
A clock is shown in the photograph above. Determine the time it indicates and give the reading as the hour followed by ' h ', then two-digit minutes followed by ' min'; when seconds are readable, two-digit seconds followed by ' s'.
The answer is 6 h 37 min
